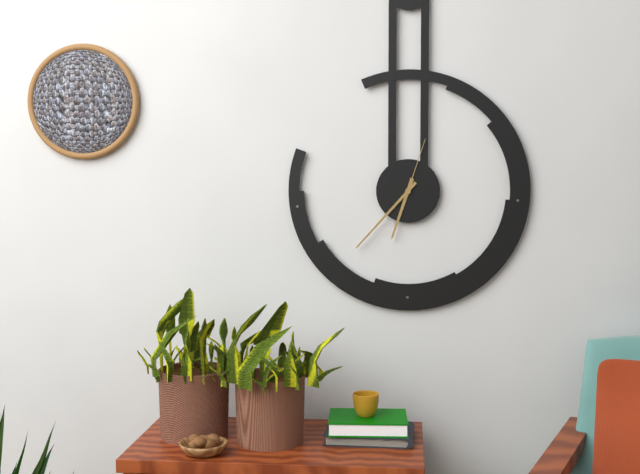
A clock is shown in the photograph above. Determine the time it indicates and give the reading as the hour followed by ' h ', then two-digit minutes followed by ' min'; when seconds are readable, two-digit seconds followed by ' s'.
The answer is 6 h 37 min 03 s
